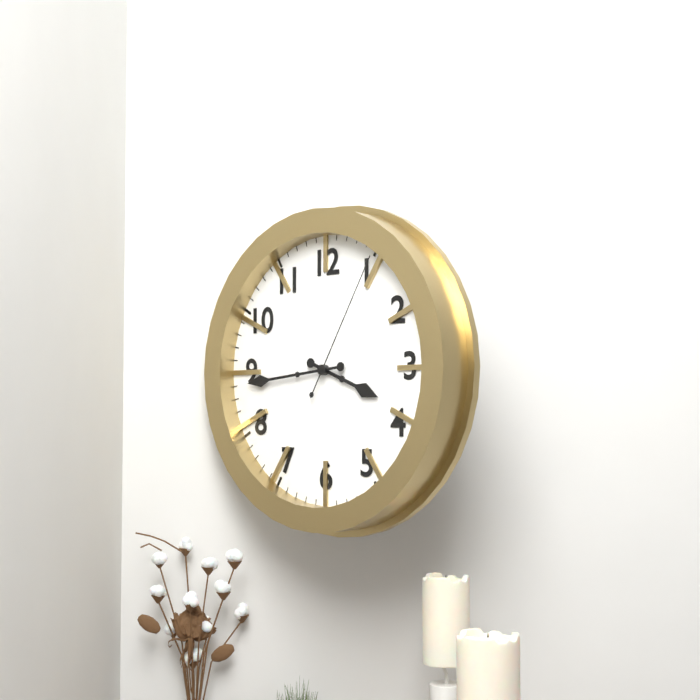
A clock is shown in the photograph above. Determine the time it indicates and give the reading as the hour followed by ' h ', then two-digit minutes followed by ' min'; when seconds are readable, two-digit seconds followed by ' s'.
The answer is 3 h 44 min 05 s
